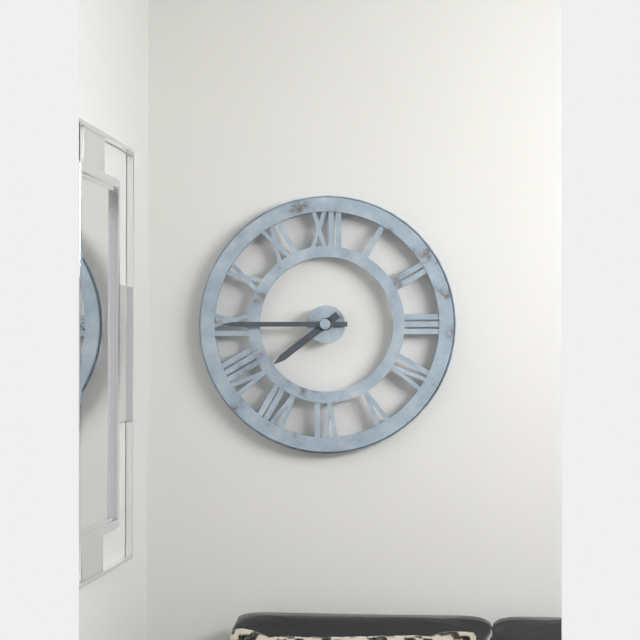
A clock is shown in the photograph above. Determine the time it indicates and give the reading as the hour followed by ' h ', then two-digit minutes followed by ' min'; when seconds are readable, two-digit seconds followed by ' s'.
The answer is 7 h 45 min
